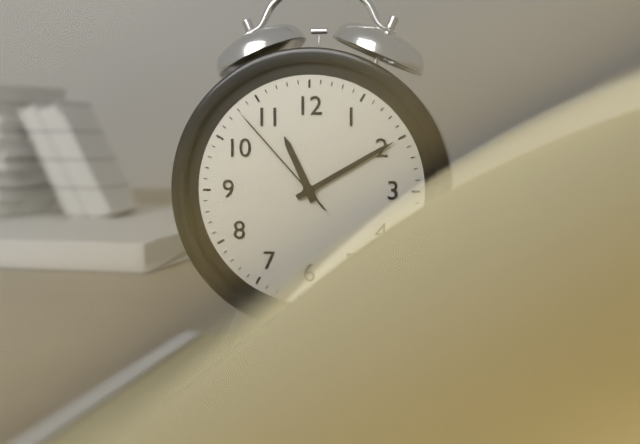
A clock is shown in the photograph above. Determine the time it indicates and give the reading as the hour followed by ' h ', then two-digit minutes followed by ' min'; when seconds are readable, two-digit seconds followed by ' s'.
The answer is 11 h 10 min 53 s
